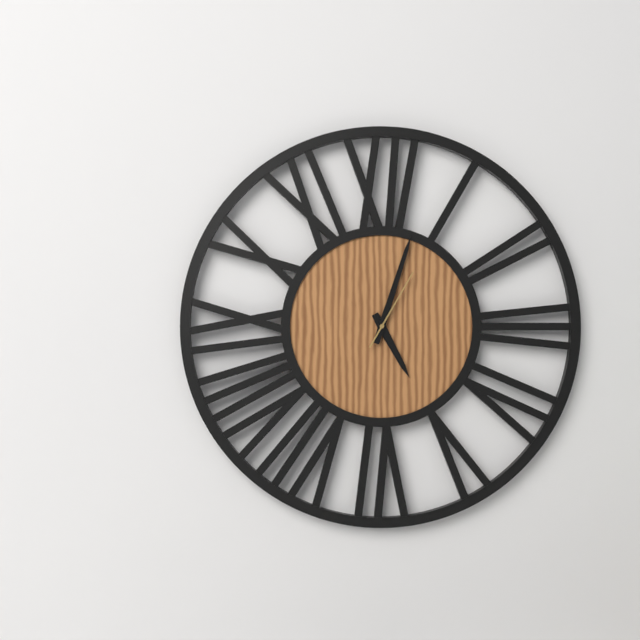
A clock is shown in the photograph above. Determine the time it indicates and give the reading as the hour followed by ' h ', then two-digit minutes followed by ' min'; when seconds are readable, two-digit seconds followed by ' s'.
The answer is 5 h 03 min 05 s
